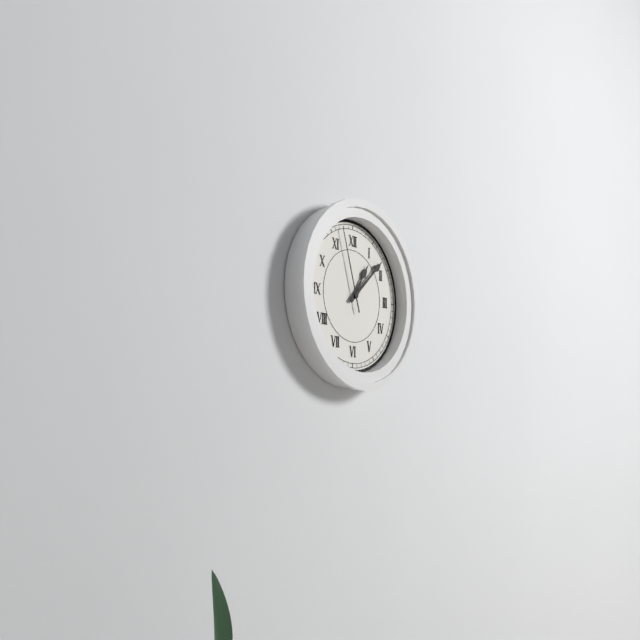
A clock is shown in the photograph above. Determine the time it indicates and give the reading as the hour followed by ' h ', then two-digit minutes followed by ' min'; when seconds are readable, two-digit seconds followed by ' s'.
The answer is 1 h 08 min 57 s
